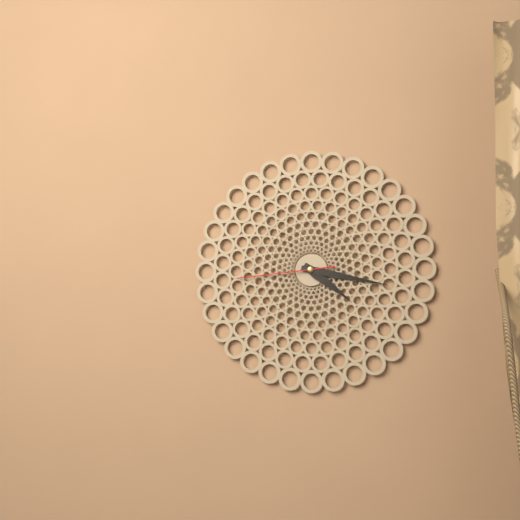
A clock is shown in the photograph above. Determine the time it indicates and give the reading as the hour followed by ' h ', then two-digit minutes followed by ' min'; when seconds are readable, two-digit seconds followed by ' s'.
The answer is 4 h 17 min 44 s
